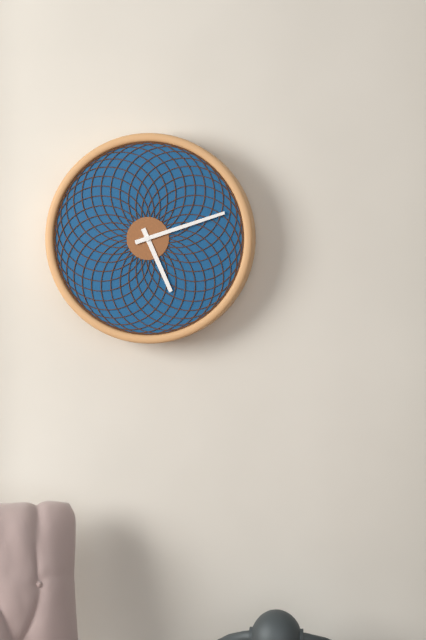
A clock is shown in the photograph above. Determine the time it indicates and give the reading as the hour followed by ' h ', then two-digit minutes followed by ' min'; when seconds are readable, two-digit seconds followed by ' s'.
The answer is 5 h 12 min
